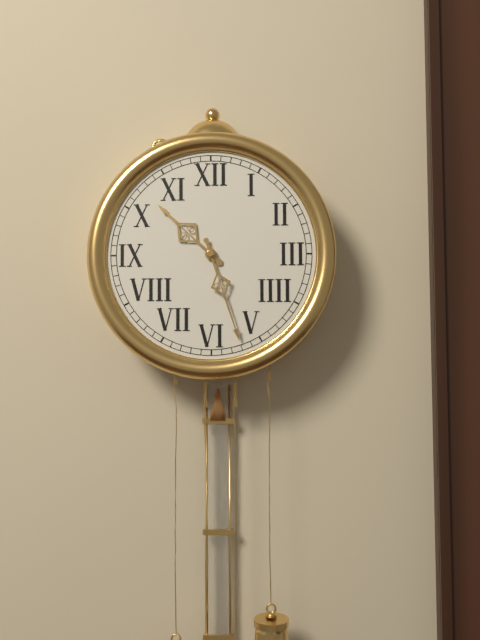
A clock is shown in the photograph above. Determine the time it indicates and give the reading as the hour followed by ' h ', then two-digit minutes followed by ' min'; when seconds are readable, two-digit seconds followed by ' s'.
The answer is 10 h 27 min
